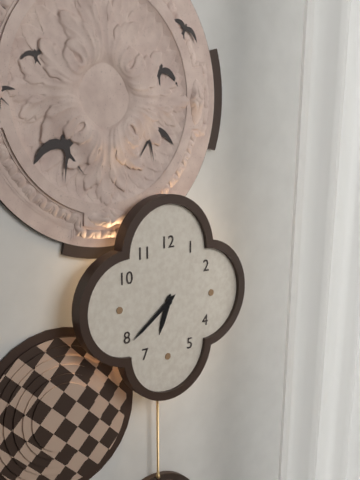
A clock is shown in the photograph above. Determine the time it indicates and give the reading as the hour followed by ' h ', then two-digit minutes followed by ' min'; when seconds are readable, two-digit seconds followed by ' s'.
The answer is 6 h 39 min
